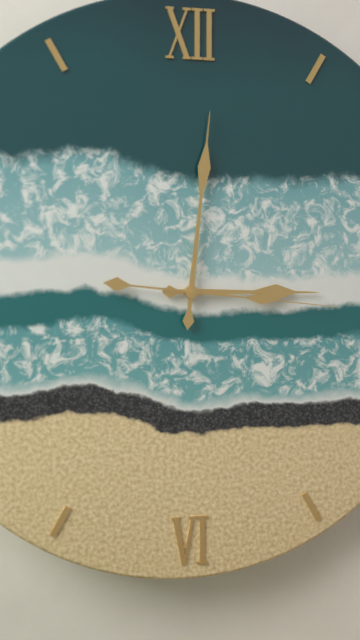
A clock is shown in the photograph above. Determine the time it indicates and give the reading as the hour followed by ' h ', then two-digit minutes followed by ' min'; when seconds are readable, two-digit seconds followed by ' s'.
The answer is 3 h 01 min 16 s
